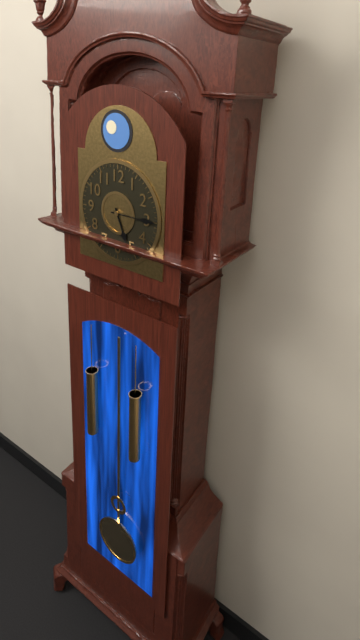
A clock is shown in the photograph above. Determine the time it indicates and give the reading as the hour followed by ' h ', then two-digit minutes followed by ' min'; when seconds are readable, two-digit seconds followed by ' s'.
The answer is 5 h 15 min
